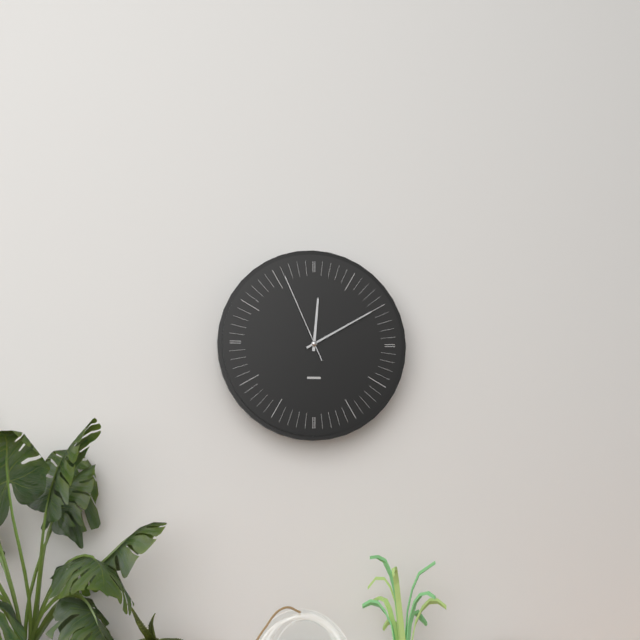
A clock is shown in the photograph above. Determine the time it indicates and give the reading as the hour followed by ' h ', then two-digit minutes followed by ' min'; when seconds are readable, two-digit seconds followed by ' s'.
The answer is 12 h 10 min 56 s
